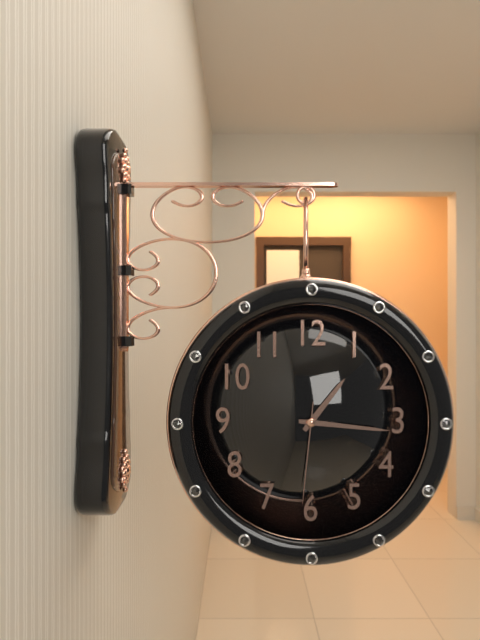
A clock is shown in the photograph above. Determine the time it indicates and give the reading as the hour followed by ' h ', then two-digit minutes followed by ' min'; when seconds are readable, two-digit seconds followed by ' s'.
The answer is 1 h 16 min 31 s
